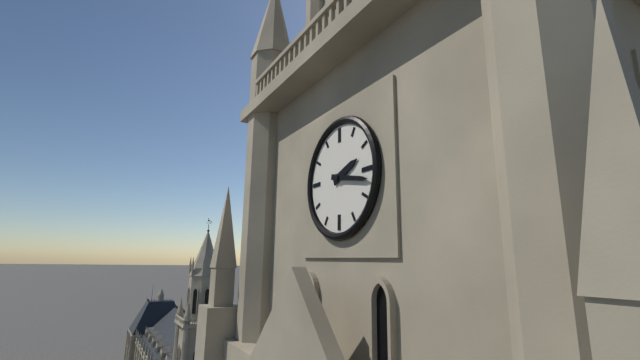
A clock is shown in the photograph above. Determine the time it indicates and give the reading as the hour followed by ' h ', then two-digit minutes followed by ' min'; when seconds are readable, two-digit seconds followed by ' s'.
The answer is 2 h 17 min
